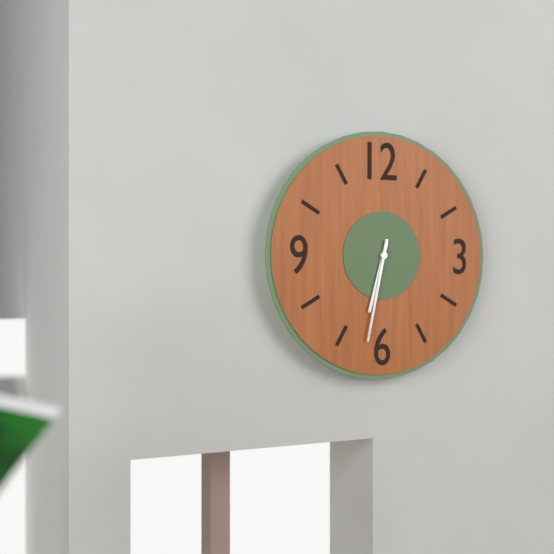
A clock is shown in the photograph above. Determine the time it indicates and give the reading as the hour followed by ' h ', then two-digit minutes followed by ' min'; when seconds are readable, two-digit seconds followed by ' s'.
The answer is 6 h 32 min
